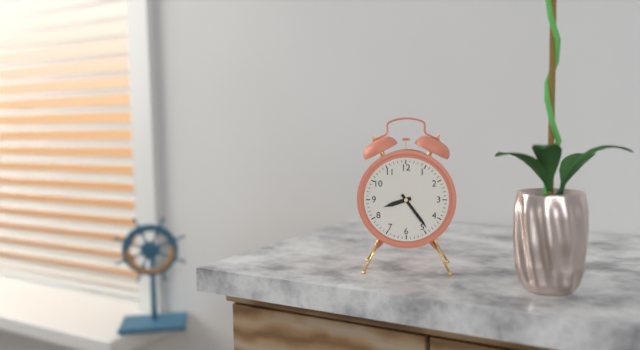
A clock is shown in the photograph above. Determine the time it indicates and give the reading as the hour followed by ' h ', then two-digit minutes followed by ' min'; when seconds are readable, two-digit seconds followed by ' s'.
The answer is 8 h 24 min
